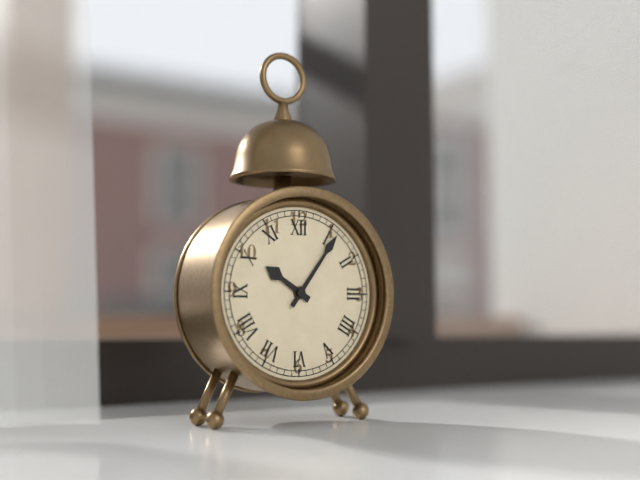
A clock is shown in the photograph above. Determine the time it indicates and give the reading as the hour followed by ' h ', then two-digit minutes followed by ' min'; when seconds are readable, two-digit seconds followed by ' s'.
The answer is 10 h 06 min
